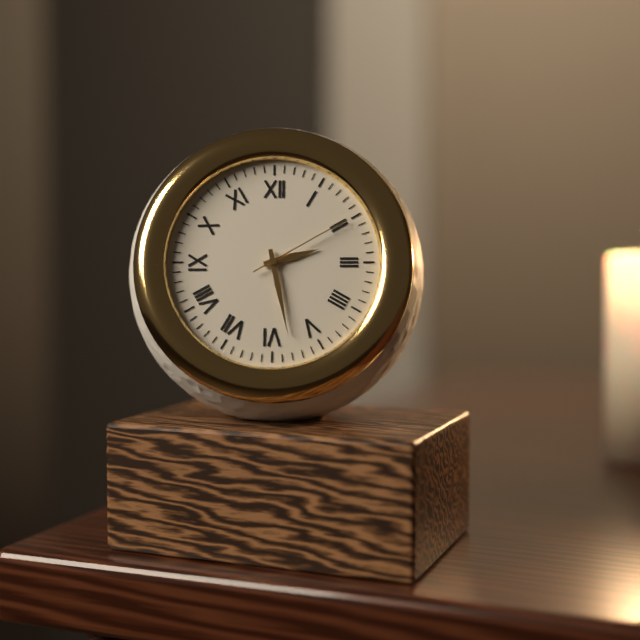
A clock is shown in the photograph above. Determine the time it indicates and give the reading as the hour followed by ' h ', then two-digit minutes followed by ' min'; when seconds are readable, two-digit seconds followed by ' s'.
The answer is 2 h 28 min 10 s
